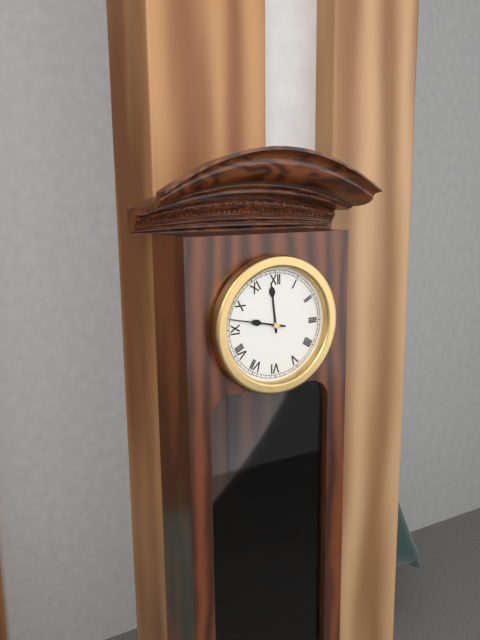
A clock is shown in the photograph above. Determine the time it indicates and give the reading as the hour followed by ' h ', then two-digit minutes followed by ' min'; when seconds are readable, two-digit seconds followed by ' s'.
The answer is 11 h 47 min
